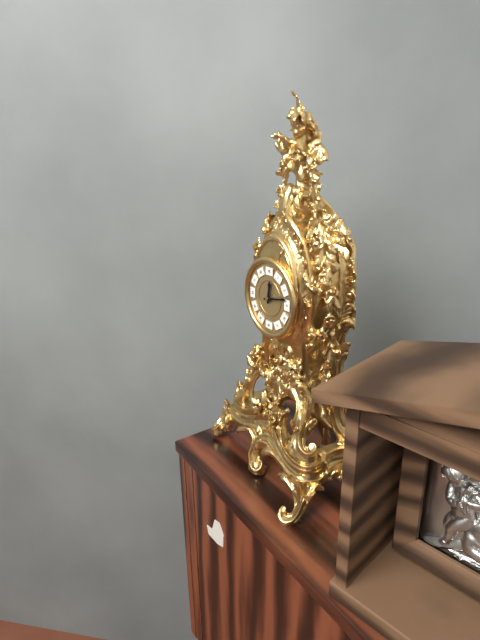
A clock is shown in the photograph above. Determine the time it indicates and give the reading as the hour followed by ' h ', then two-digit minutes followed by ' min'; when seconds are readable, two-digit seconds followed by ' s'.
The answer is 12 h 13 min
